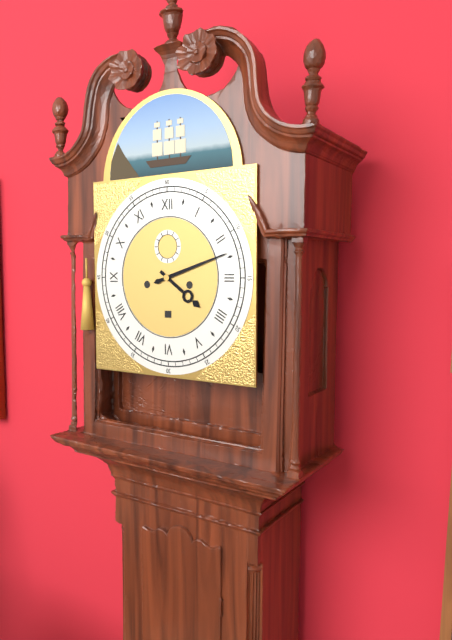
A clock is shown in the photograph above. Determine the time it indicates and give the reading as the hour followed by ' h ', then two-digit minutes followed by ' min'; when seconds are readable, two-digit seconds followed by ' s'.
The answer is 4 h 12 min
